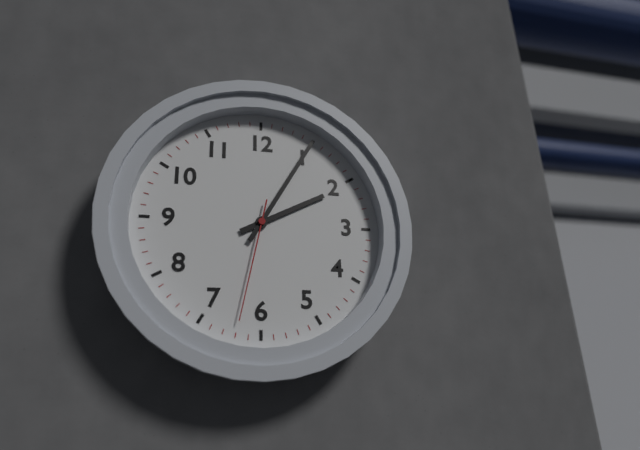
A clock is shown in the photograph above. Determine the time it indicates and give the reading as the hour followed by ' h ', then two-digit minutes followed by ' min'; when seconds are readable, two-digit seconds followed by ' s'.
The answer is 2 h 05 min 32 s
